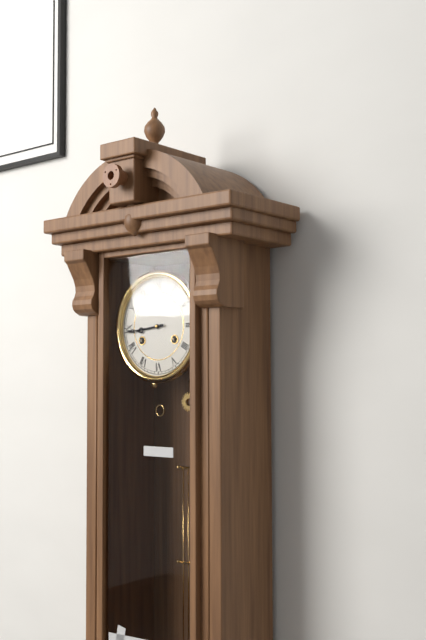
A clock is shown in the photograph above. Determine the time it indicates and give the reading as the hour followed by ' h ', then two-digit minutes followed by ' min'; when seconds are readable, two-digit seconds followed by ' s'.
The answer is 8 h 44 min
